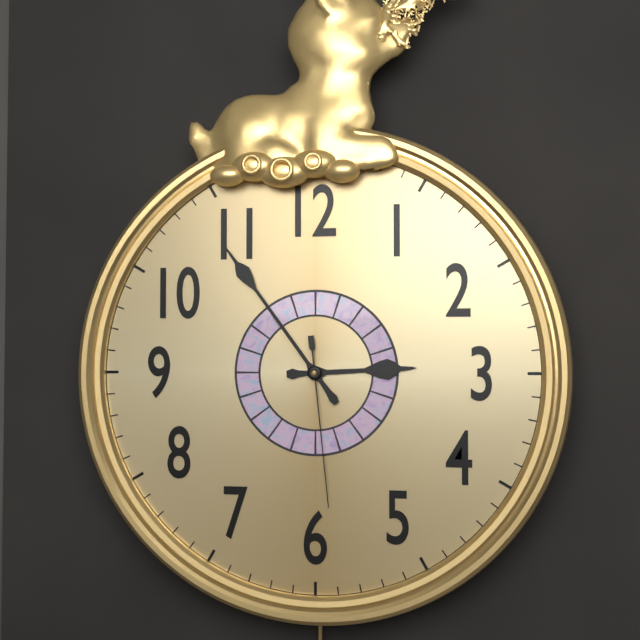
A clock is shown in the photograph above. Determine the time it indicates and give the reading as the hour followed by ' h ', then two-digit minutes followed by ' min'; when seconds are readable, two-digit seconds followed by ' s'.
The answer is 2 h 54 min 29 s
